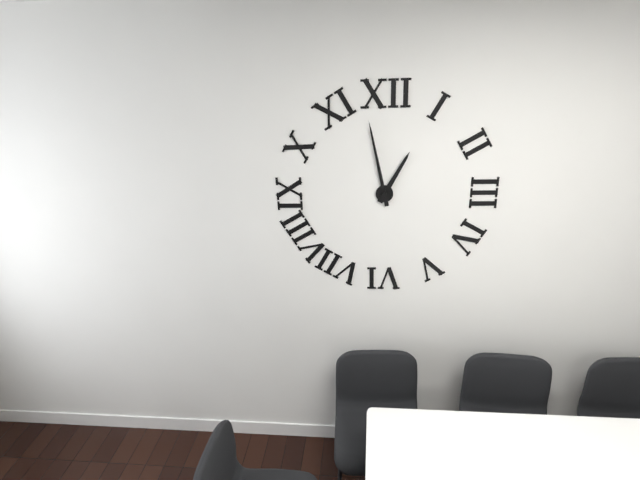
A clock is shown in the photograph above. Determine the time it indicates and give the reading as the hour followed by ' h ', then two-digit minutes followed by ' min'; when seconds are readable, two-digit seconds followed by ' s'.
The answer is 12 h 58 min
